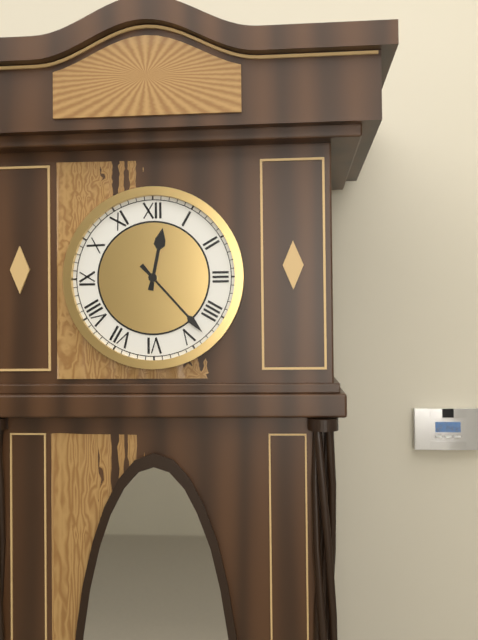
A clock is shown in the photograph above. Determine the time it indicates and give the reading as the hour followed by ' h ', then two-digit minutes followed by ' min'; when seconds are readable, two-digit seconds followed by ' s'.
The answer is 12 h 23 min
